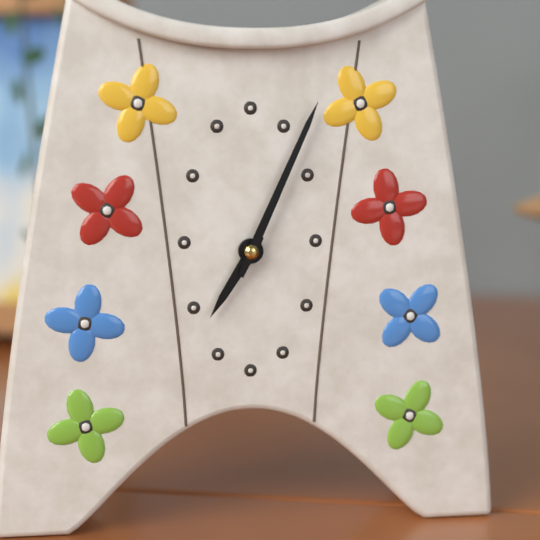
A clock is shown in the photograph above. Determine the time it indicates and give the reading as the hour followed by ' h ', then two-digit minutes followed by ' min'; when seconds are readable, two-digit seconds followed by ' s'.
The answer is 7 h 04 min
